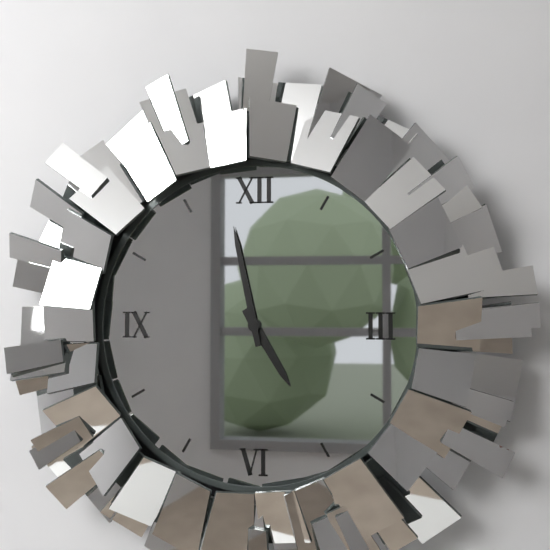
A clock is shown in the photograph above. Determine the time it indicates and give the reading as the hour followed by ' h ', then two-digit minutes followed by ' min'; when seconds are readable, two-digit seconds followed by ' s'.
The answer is 4 h 58 min
